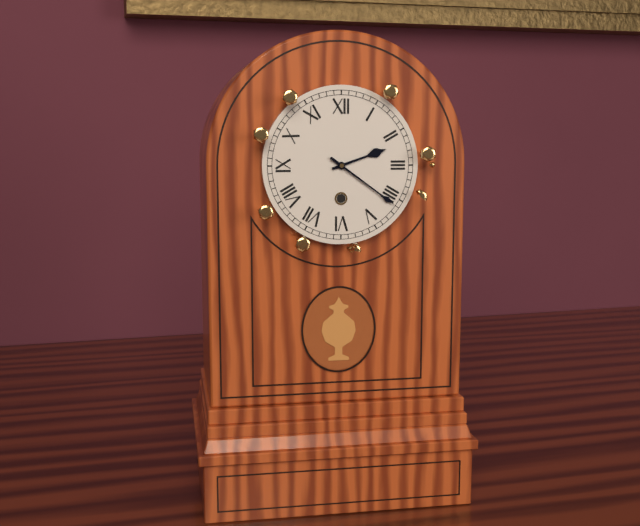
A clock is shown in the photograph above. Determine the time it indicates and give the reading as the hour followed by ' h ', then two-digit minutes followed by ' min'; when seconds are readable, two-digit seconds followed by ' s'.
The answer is 2 h 21 min
